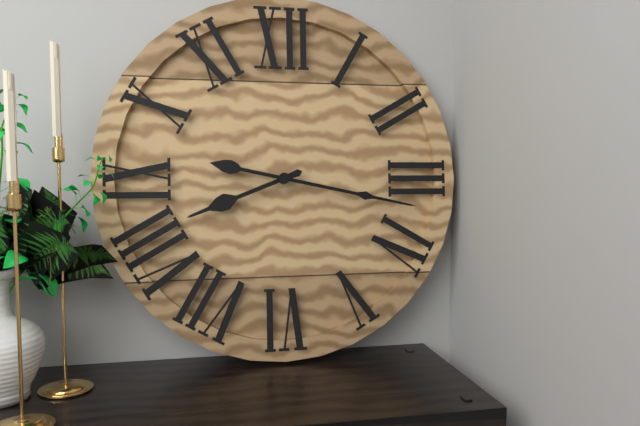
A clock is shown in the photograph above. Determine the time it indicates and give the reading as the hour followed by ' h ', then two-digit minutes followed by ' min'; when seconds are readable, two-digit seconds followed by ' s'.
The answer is 8 h 17 min
